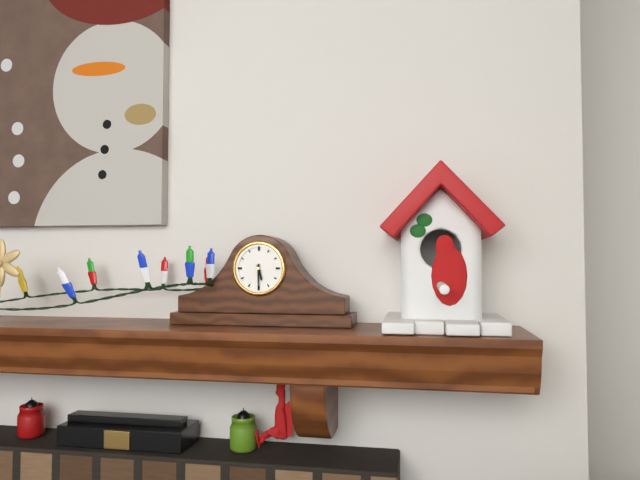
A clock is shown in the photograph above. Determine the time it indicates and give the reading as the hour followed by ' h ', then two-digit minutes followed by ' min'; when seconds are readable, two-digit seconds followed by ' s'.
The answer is 5 h 30 min
